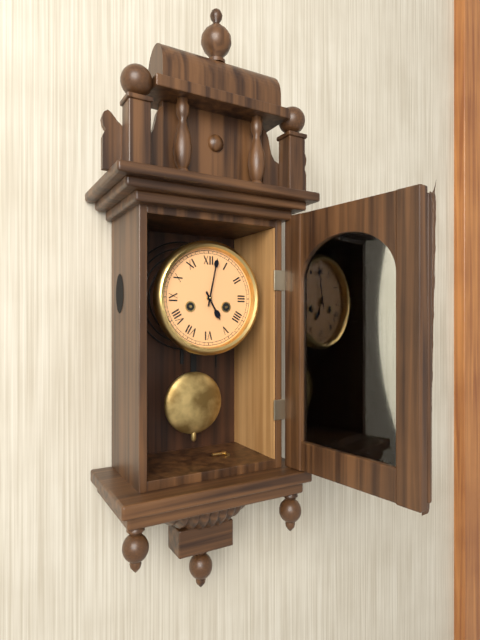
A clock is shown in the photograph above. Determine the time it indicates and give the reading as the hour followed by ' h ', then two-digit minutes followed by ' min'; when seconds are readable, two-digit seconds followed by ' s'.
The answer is 5 h 02 min
